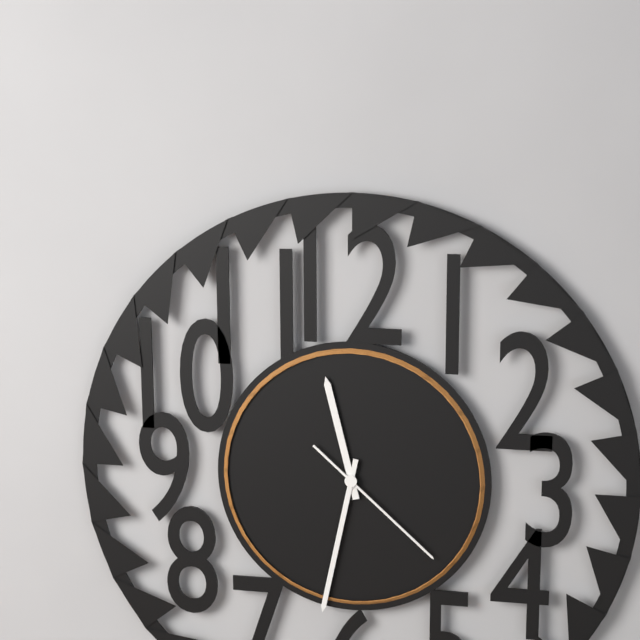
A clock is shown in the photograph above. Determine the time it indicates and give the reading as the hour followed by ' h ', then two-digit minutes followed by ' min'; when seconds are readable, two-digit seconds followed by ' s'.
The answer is 11 h 32 min 22 s
